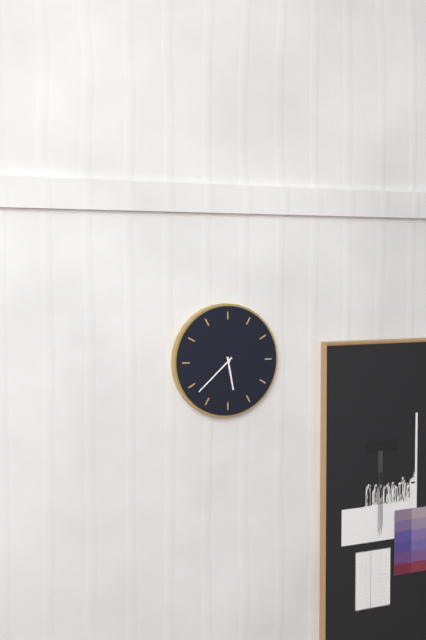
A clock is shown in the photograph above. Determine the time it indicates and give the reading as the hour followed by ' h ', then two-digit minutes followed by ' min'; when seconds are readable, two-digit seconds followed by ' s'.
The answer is 5 h 38 min
